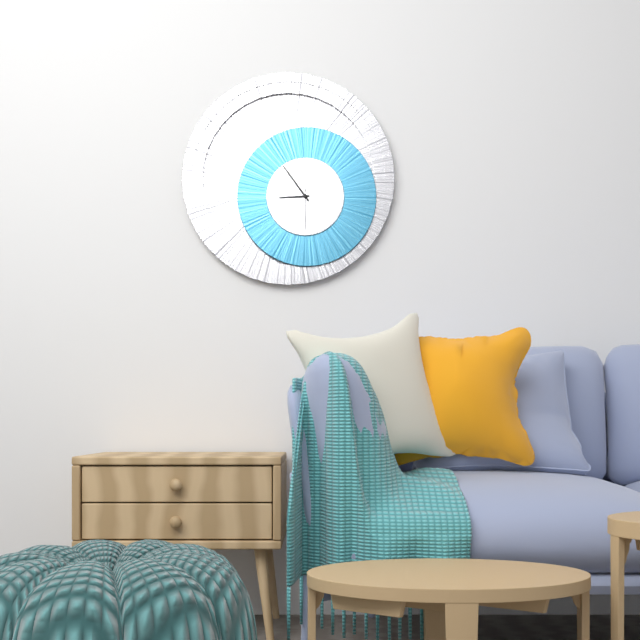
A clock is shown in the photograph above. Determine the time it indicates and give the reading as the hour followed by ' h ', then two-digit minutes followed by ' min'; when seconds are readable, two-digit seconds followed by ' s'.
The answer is 8 h 54 min
